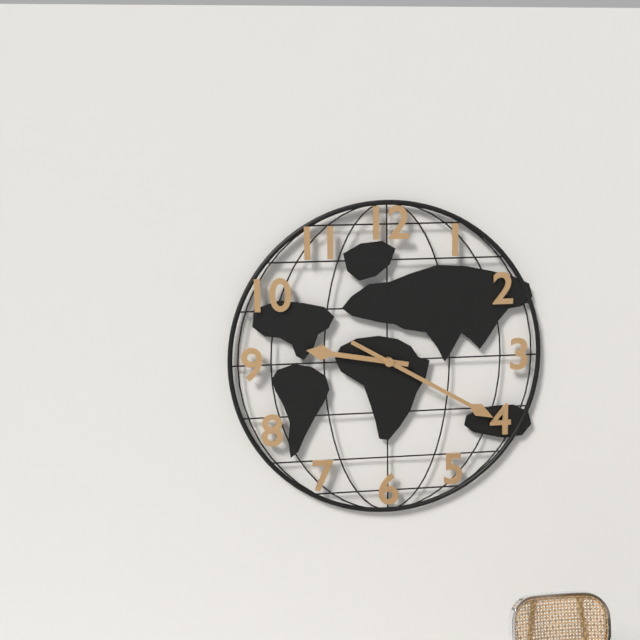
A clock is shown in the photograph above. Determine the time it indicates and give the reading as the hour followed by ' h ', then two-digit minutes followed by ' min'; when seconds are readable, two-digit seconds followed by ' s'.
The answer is 9 h 20 min
